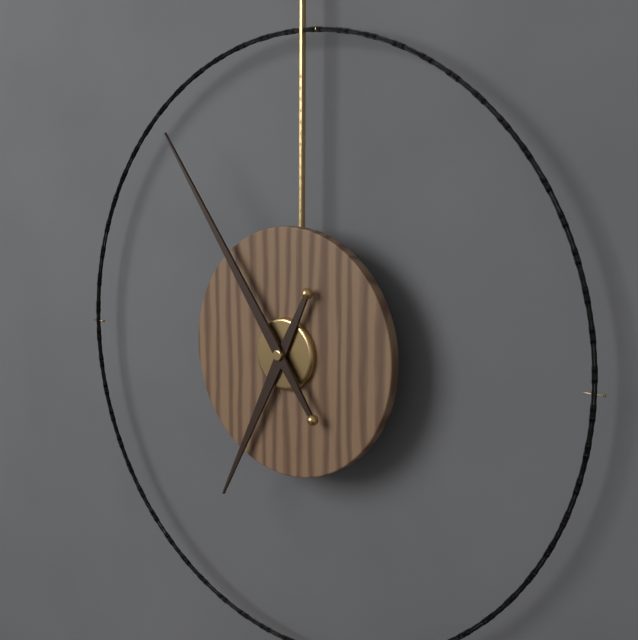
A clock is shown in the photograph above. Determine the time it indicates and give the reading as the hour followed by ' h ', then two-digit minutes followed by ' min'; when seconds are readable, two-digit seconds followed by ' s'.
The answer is 6 h 54 min
